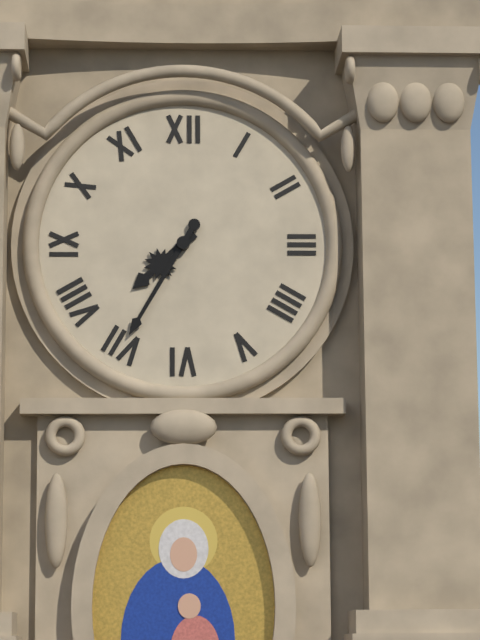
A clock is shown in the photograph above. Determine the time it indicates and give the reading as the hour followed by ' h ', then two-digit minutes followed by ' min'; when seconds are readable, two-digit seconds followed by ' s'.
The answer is 7 h 35 min
